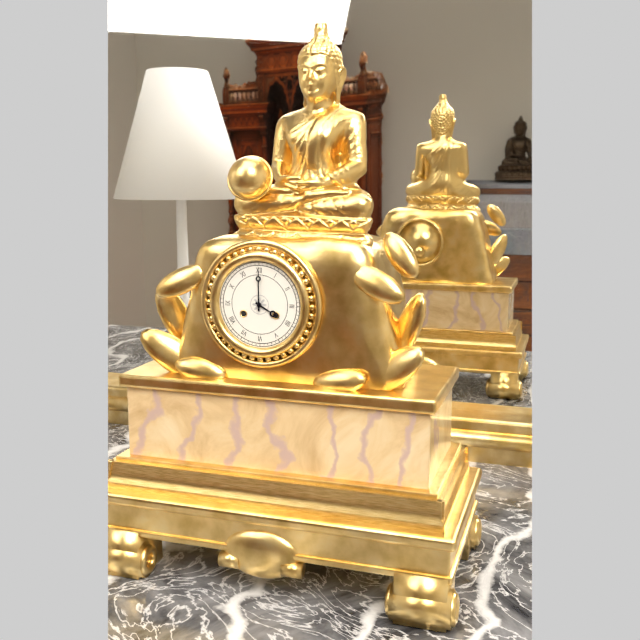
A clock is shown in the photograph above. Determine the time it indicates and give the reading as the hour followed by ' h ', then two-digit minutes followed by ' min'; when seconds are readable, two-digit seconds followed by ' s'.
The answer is 4 h 00 min
